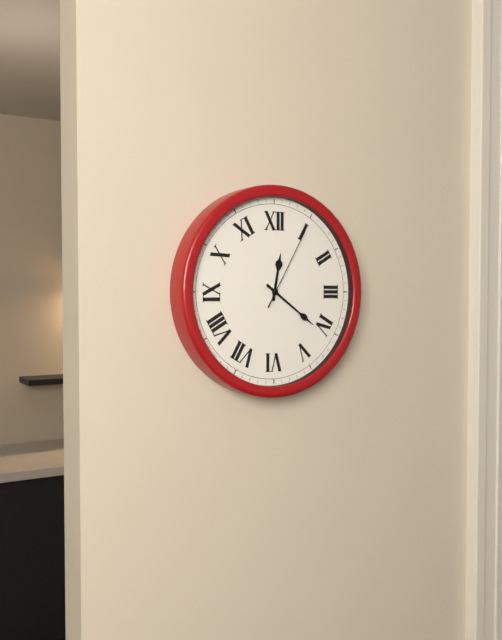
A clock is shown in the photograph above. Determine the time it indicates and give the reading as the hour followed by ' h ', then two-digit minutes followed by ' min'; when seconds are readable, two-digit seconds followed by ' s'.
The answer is 12 h 21 min 05 s
